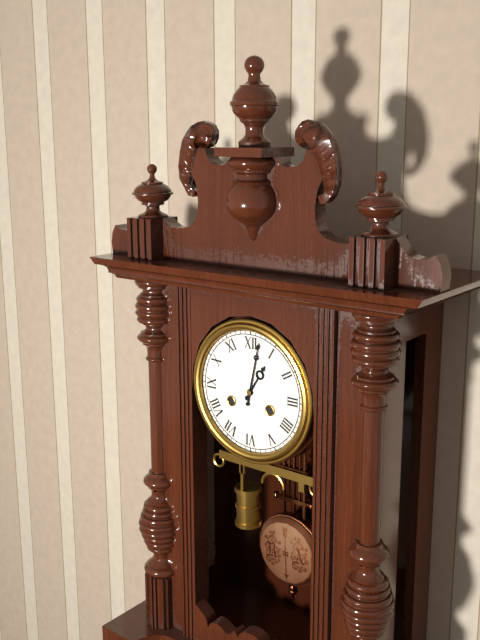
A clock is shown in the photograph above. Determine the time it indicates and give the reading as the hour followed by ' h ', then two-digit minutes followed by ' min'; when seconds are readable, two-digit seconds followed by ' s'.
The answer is 1 h 02 min
